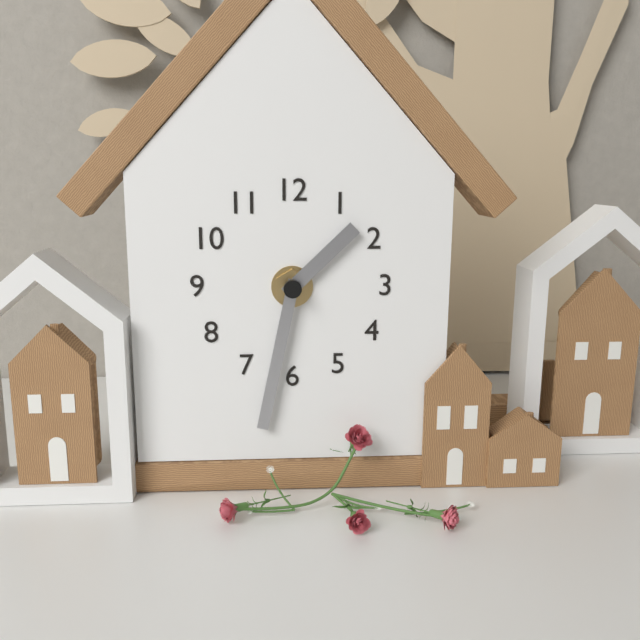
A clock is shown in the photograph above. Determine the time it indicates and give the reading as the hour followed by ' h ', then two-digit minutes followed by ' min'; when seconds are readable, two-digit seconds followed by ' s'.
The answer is 1 h 32 min
